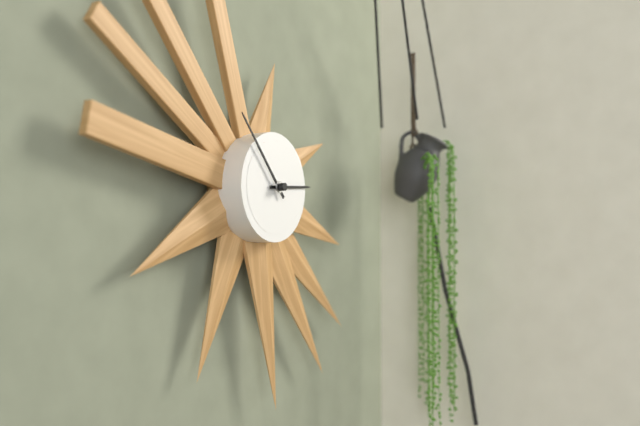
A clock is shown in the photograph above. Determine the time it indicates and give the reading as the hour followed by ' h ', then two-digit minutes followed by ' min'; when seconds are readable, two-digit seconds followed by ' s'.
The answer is 2 h 53 min
